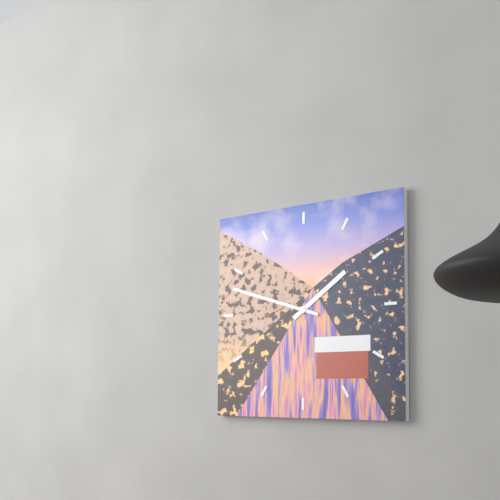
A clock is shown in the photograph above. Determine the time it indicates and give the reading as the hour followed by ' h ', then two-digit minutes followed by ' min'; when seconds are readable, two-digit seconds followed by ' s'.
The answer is 1 h 48 min
